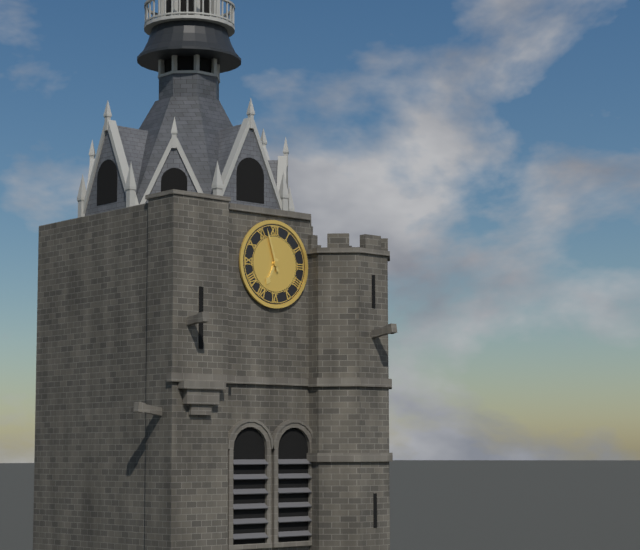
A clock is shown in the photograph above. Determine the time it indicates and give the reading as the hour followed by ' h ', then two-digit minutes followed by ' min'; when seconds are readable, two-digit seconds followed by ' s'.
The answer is 6 h 57 min
